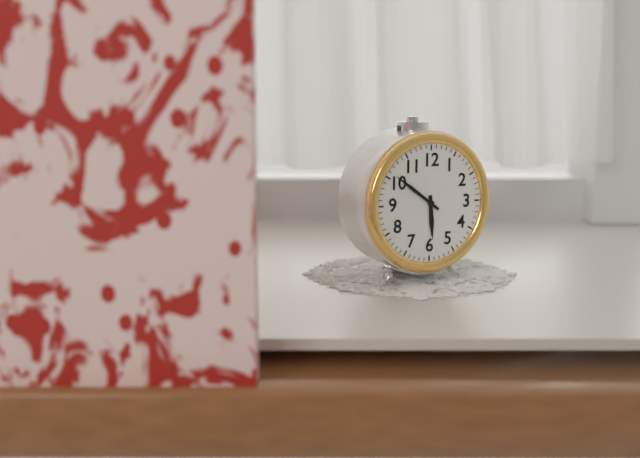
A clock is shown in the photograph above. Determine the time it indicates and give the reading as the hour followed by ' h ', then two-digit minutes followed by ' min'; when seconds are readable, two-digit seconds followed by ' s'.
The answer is 5 h 51 min
